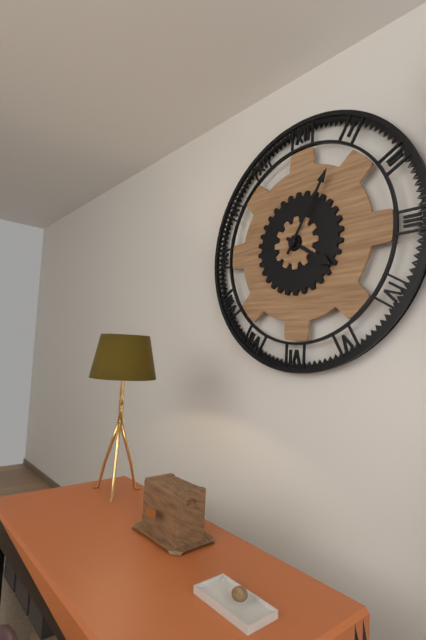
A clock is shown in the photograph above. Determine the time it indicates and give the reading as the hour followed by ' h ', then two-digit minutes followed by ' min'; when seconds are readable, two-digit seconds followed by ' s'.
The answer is 4 h 05 min
